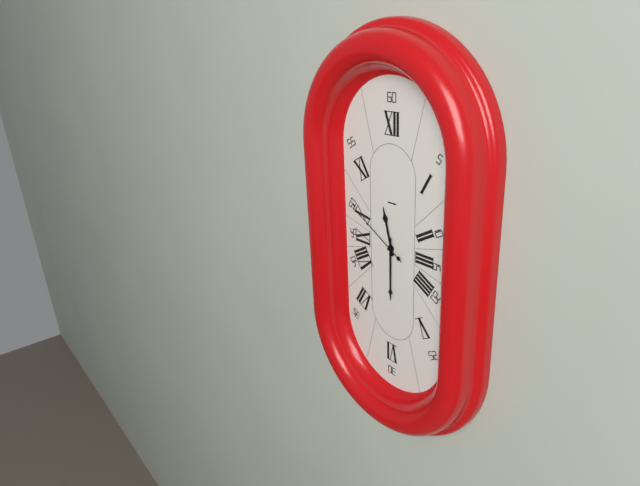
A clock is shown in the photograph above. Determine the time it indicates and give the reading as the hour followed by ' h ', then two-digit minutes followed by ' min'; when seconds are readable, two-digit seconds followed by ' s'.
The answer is 11 h 30 min 50 s
